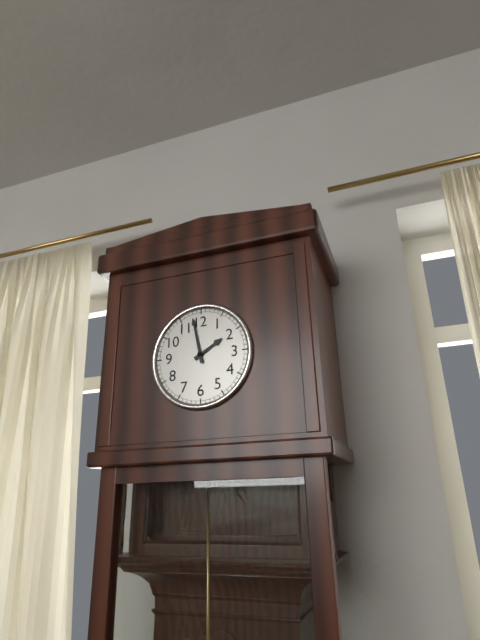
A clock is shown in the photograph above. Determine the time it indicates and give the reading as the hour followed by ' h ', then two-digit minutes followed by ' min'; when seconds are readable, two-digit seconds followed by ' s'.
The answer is 1 h 58 min
